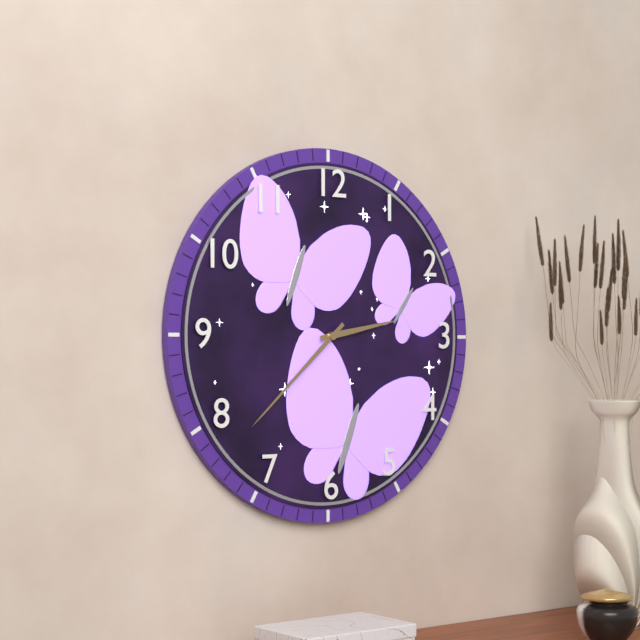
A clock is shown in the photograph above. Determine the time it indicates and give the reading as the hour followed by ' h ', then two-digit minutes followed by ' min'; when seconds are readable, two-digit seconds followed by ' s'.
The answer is 2 h 38 min
